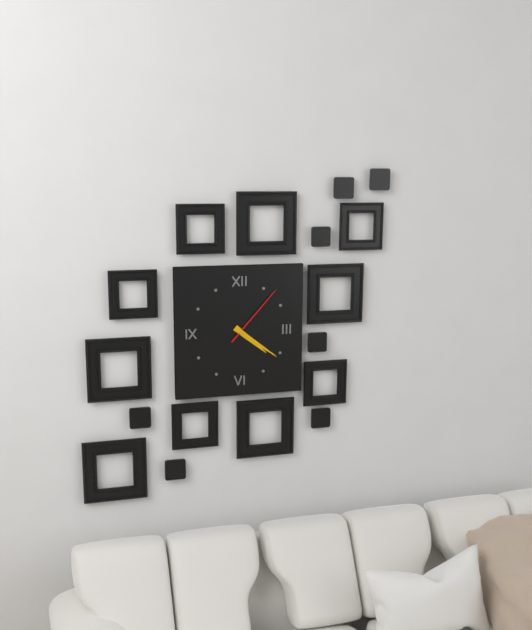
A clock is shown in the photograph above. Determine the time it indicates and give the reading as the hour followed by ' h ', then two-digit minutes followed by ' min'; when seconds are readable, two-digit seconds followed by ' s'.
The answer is 4 h 21 min 07 s
